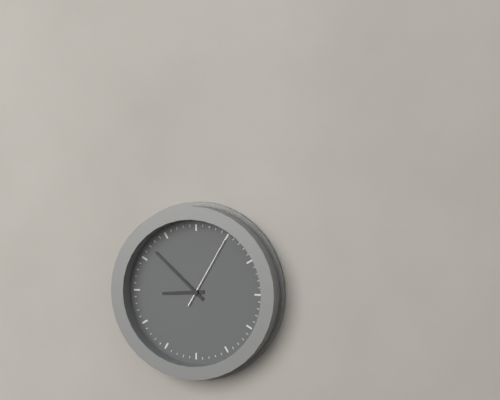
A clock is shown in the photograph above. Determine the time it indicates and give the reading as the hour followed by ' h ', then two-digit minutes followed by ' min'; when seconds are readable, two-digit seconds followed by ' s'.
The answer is 8 h 52 min 05 s
